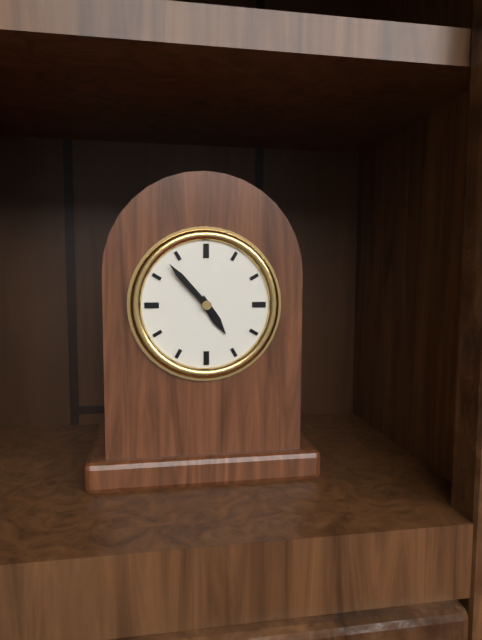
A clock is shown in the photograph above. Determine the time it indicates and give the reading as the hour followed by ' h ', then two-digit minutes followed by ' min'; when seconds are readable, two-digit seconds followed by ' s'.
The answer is 4 h 53 min
